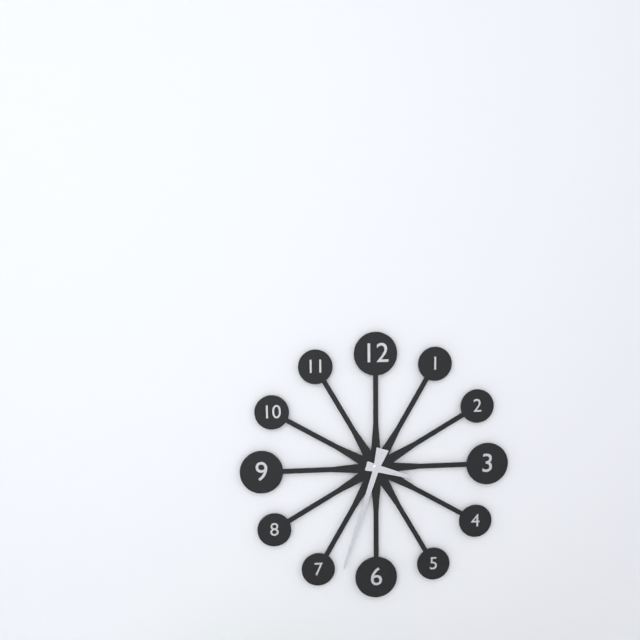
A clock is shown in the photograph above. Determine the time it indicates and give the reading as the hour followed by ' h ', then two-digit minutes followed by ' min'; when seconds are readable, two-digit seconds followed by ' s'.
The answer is 3 h 33 min
